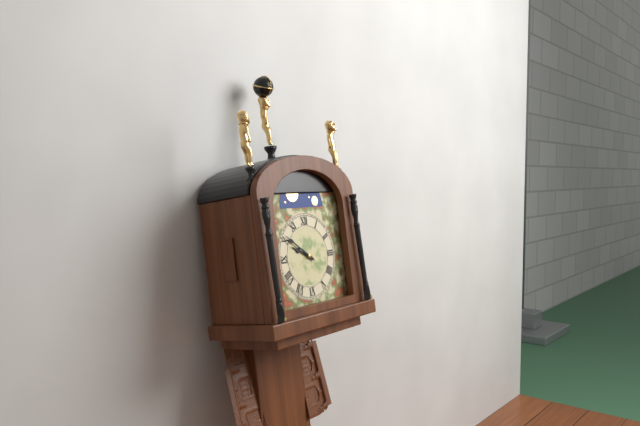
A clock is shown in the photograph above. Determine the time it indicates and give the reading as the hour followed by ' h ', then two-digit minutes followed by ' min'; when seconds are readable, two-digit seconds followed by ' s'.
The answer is 9 h 51 min
